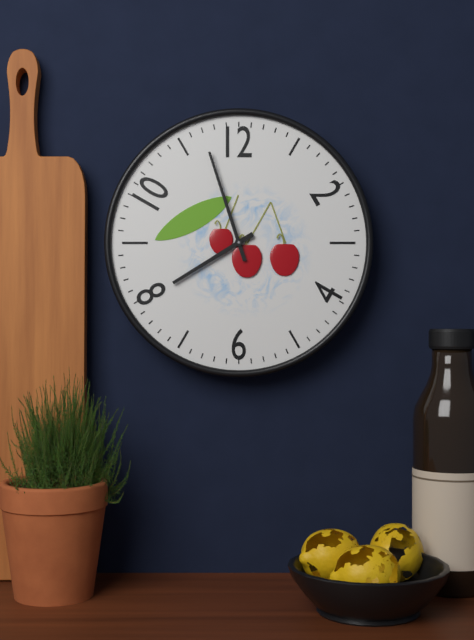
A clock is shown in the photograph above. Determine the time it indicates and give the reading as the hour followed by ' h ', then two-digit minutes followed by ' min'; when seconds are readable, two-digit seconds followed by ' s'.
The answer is 7 h 57 min
